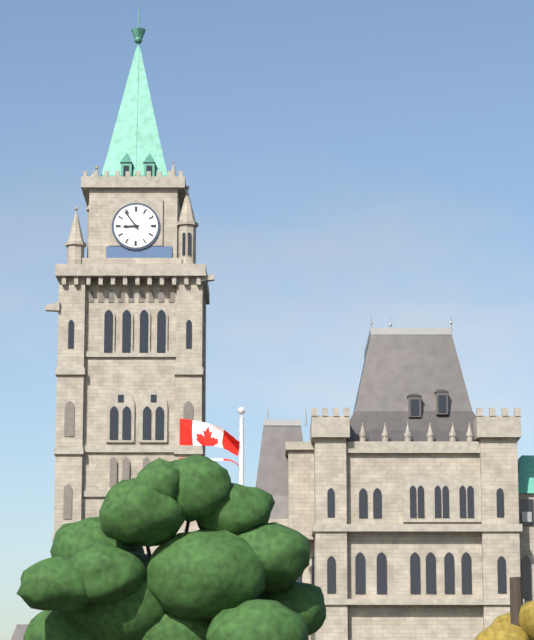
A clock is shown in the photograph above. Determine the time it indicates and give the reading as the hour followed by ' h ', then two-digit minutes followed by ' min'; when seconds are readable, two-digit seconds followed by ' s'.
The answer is 8 h 54 min
